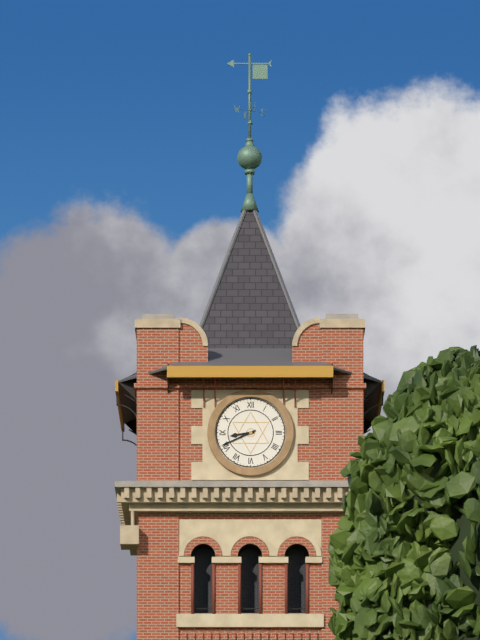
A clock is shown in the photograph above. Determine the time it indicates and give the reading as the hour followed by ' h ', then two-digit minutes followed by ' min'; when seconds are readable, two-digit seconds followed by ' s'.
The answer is 8 h 41 min
